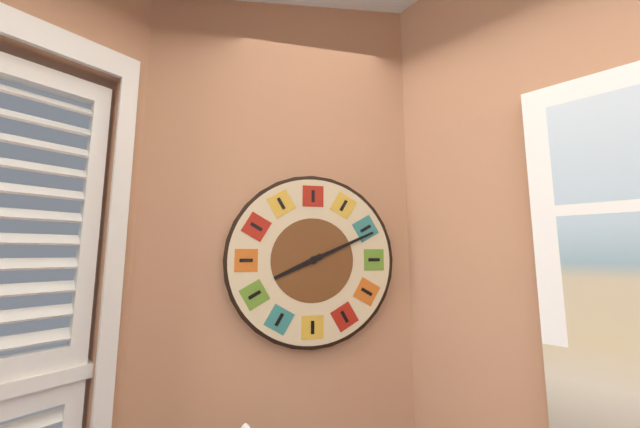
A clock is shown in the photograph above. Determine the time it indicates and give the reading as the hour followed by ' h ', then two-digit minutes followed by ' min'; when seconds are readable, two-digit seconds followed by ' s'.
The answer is 8 h 11 min
